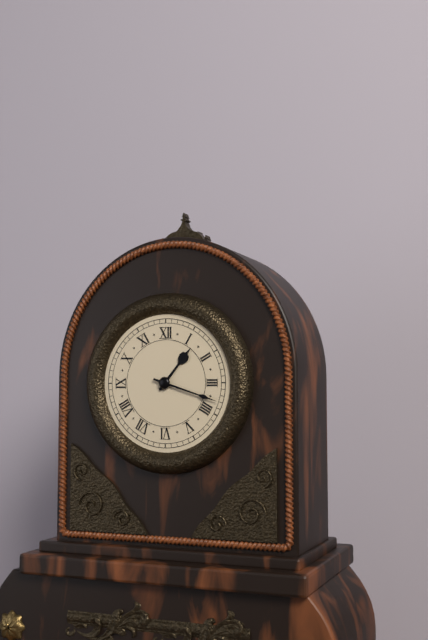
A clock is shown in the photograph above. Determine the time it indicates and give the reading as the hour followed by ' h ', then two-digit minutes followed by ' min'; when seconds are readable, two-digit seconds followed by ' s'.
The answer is 1 h 18 min
